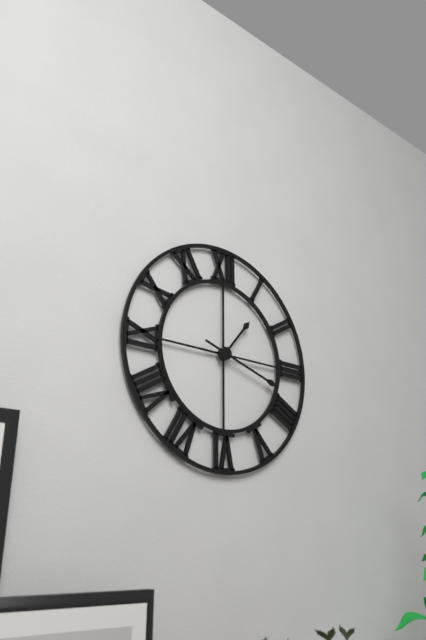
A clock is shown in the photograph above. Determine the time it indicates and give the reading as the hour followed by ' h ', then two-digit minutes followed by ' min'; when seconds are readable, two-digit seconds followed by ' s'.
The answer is 1 h 18 min
